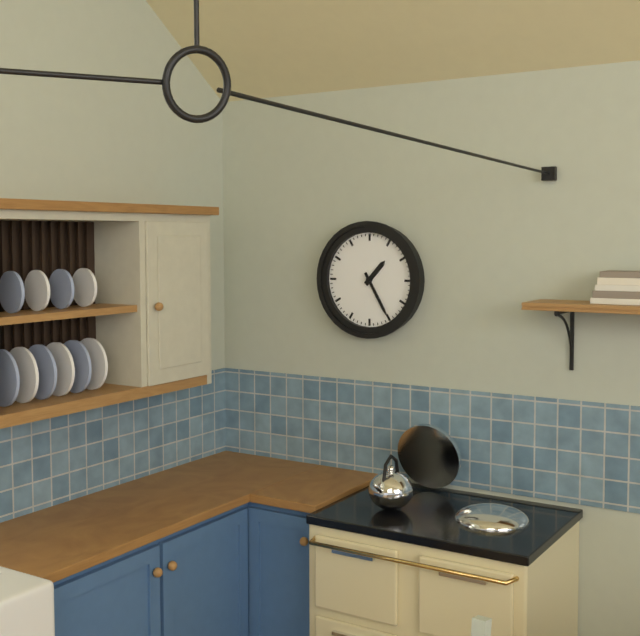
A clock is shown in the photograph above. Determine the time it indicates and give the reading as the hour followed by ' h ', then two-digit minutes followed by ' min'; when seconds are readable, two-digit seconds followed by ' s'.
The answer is 1 h 25 min
